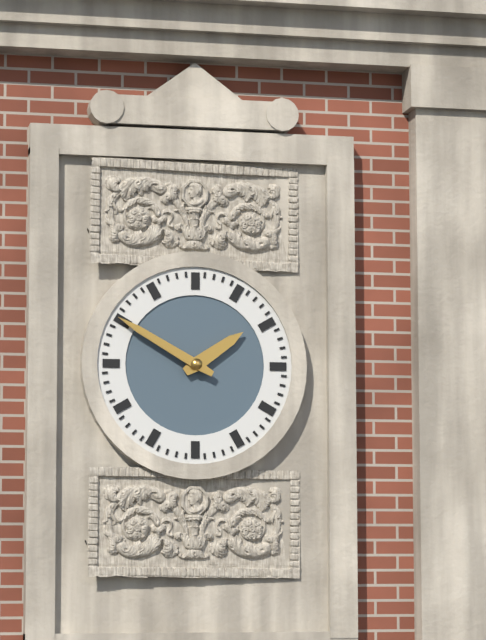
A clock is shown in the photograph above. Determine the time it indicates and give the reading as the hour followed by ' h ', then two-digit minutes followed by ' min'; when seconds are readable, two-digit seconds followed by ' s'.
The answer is 1 h 50 min
